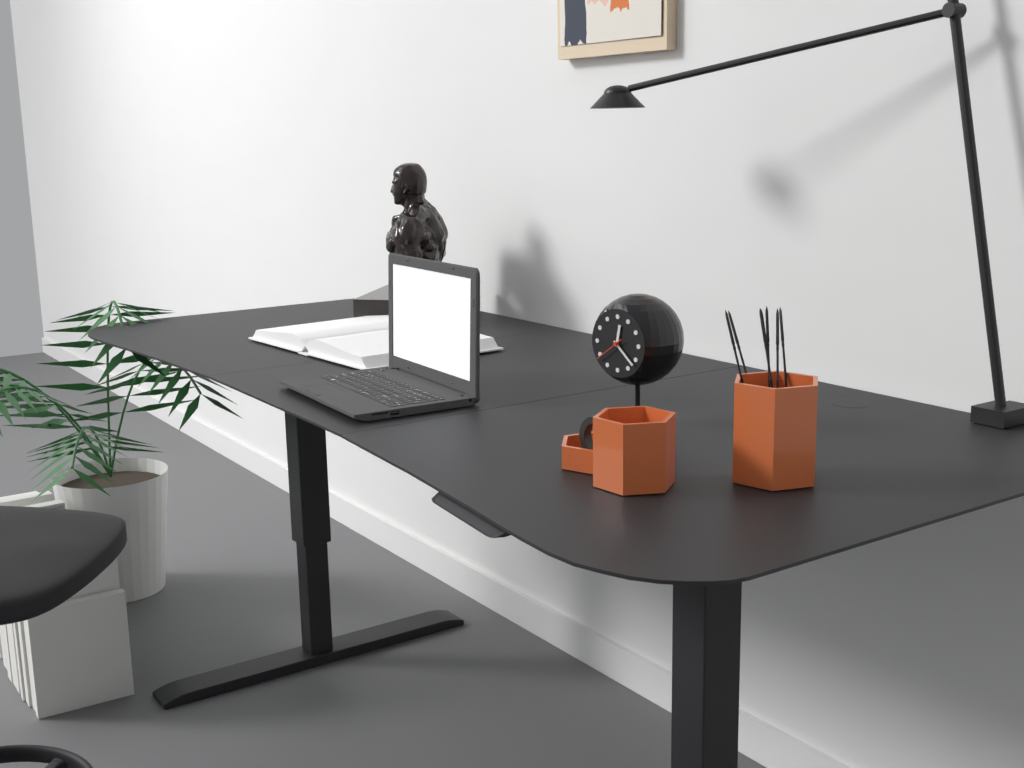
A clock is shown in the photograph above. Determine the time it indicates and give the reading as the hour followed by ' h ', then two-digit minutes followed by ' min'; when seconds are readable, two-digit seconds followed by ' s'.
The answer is 12 h 22 min 39 s
